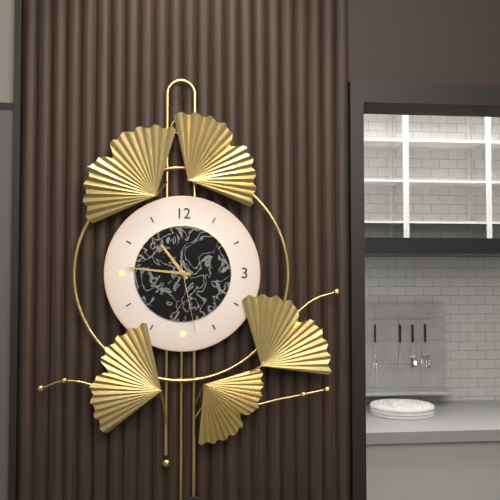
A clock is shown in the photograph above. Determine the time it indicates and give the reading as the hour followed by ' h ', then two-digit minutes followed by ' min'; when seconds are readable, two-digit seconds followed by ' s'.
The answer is 10 h 46 min 28 s
